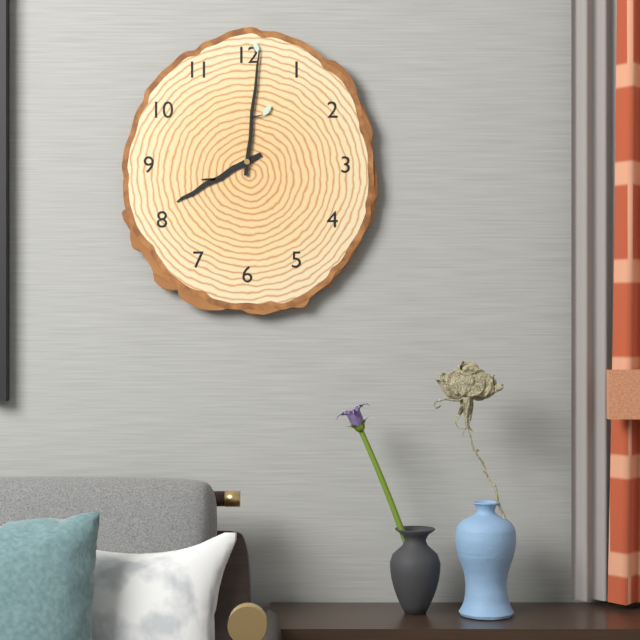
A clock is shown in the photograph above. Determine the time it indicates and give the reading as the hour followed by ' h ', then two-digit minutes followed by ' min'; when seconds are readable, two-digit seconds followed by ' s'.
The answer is 8 h 01 min
